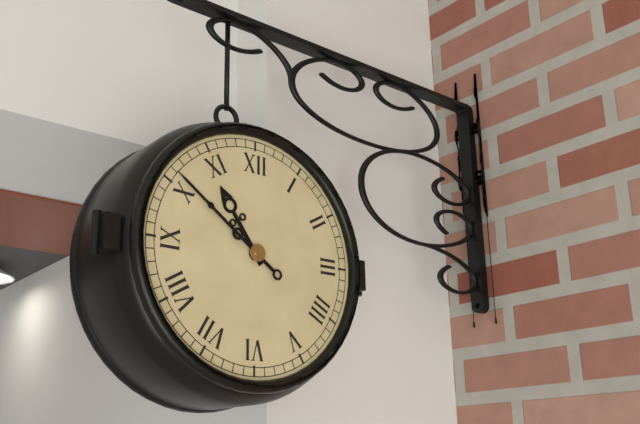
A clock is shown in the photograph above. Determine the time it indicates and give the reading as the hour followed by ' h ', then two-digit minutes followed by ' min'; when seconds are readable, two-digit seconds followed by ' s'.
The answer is 10 h 51 min
